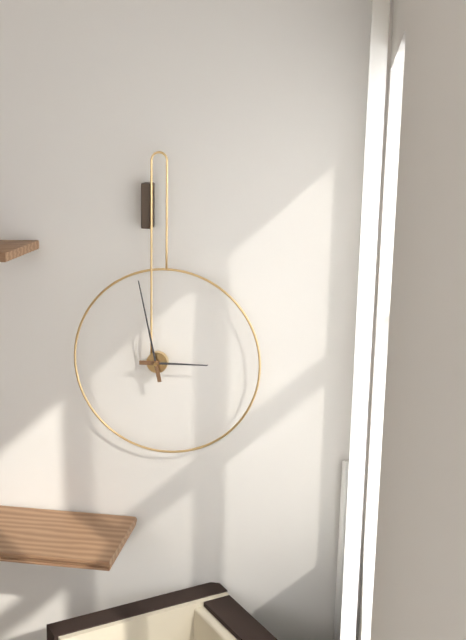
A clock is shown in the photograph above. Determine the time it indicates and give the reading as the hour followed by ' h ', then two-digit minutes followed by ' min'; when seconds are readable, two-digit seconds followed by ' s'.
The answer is 2 h 58 min
